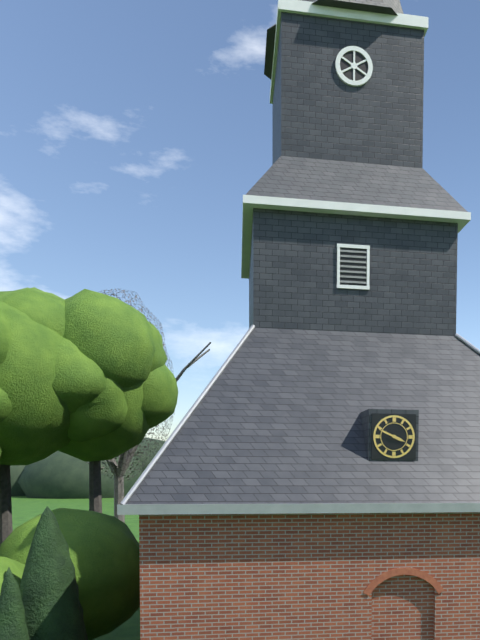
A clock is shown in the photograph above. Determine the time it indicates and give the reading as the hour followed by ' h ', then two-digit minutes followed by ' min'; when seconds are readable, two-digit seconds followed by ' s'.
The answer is 3 h 49 min
